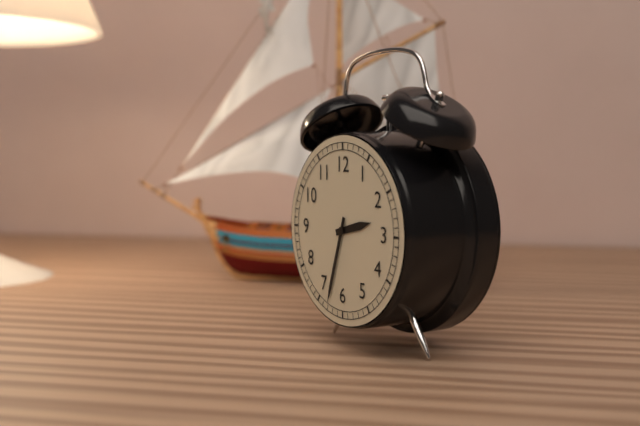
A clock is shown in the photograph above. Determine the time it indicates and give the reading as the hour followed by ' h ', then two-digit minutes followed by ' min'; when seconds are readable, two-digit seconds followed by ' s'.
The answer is 2 h 33 min
